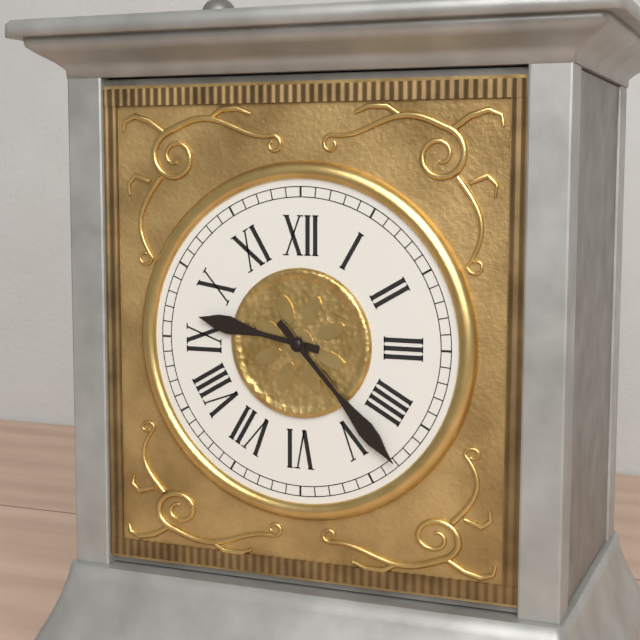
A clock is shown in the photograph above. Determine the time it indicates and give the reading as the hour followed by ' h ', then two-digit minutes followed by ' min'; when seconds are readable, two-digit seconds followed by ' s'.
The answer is 9 h 23 min
